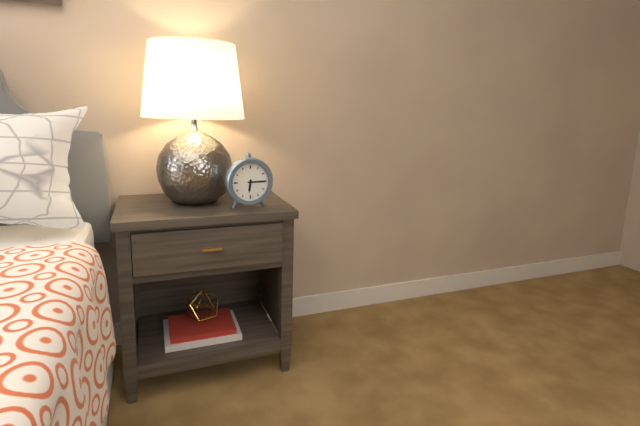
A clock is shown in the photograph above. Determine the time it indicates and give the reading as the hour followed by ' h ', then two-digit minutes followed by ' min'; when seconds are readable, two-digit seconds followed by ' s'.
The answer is 6 h 15 min
